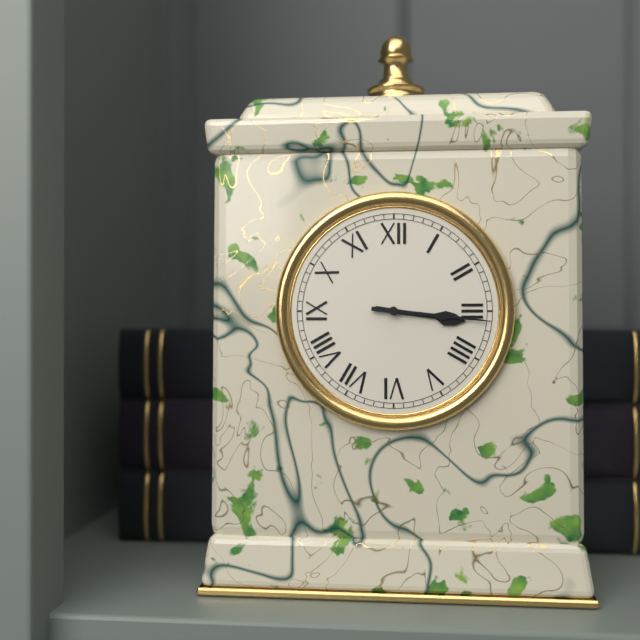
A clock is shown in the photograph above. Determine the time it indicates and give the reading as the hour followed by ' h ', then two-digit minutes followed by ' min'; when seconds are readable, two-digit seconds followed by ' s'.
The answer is 3 h 16 min
